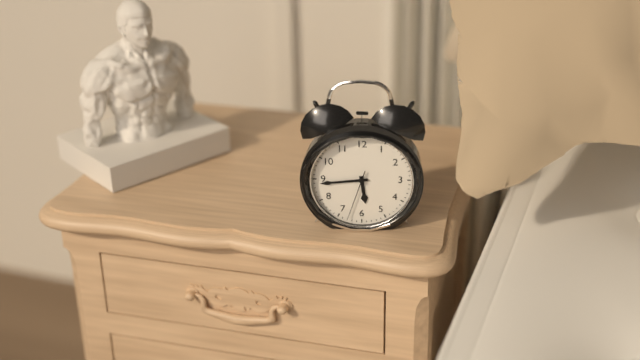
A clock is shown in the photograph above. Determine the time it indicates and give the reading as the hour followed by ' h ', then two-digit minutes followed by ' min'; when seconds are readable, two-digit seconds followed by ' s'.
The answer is 5 h 44 min
